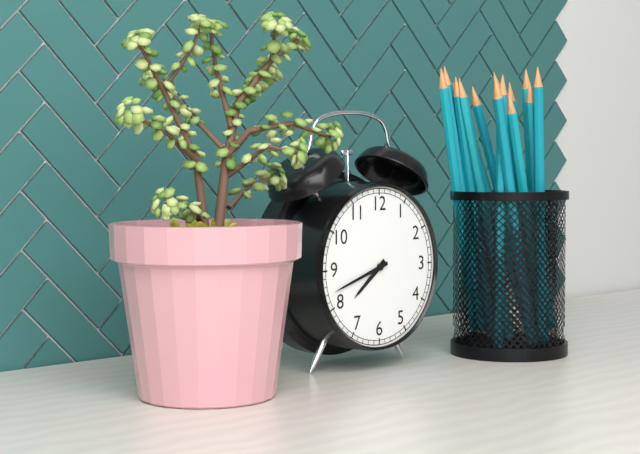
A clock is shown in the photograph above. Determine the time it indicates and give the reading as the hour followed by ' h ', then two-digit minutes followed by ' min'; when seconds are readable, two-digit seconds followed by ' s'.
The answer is 7 h 42 min
